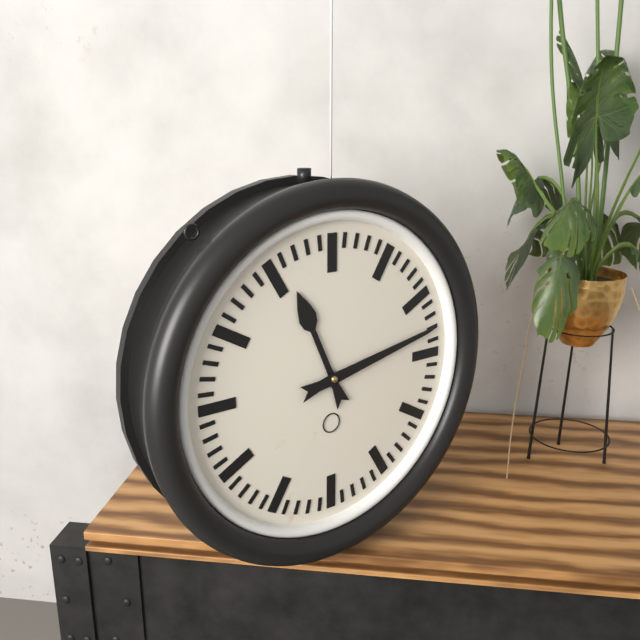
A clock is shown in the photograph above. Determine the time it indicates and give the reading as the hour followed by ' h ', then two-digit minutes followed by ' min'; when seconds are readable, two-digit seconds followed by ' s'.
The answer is 11 h 13 min
